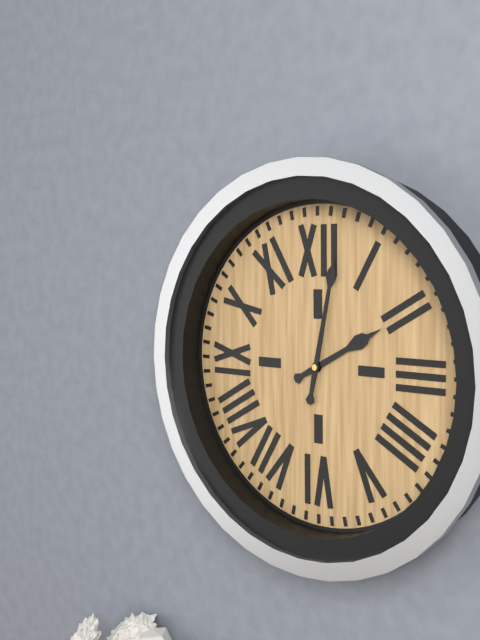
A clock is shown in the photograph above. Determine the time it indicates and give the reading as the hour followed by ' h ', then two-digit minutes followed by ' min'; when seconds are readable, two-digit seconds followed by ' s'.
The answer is 2 h 02 min
